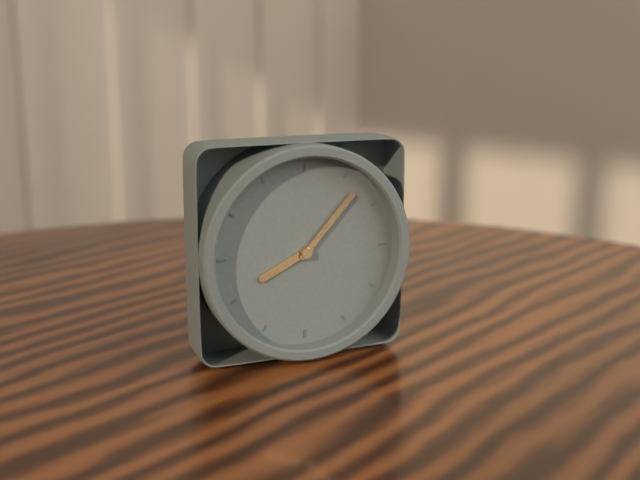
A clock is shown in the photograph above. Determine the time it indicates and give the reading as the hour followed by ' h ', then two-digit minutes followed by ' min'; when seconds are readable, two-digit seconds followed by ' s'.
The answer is 8 h 07 min
